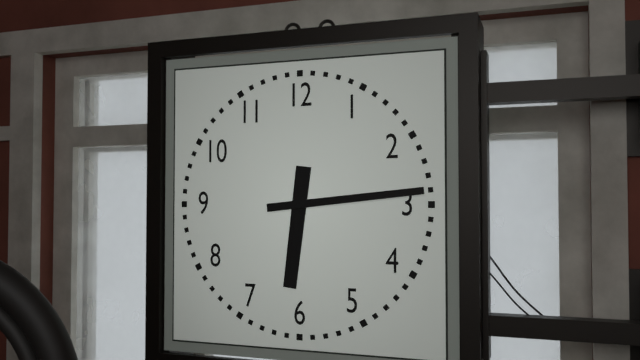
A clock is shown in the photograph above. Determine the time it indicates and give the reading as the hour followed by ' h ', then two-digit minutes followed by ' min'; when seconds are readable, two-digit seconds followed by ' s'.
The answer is 6 h 14 min
